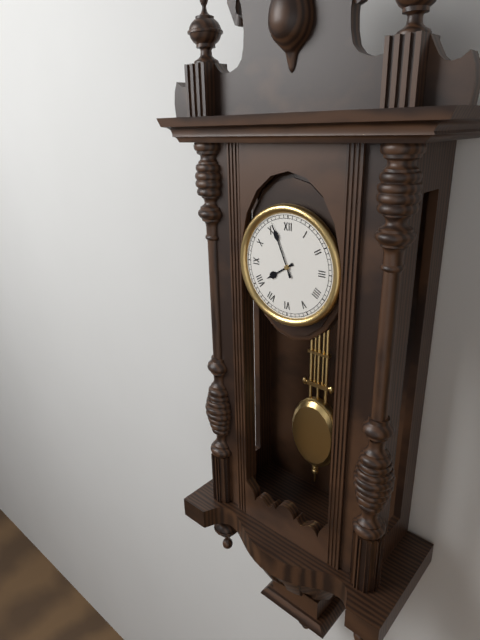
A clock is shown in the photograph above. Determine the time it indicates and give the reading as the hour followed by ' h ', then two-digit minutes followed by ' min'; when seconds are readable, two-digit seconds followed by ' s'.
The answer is 7 h 56 min
